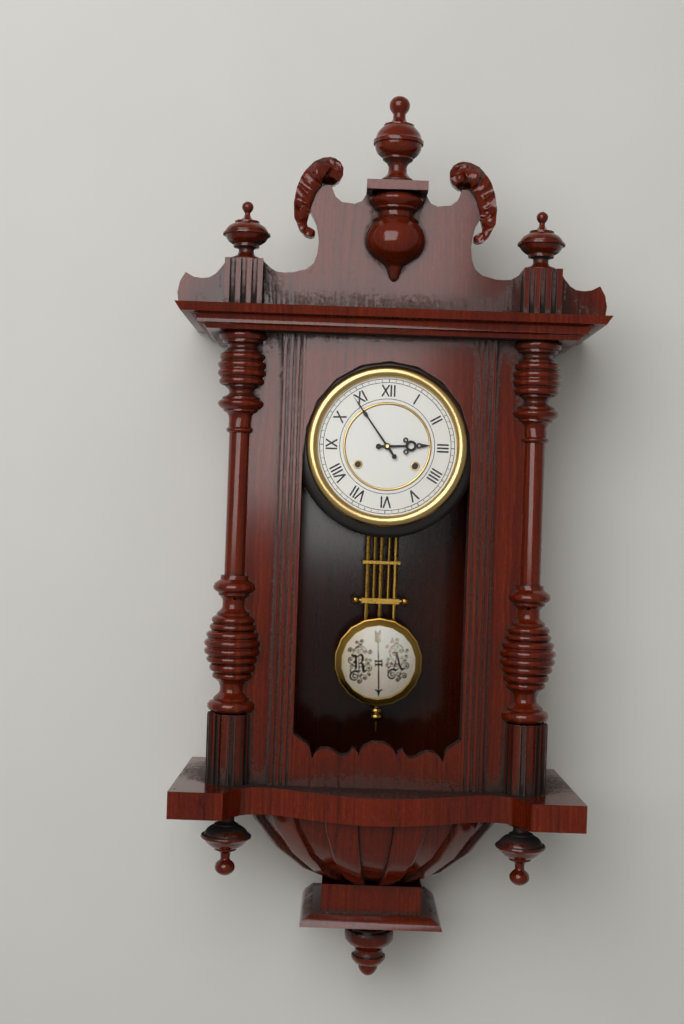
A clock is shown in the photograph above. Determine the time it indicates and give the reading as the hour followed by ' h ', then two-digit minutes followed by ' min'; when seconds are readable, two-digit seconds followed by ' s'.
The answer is 2 h 54 min
